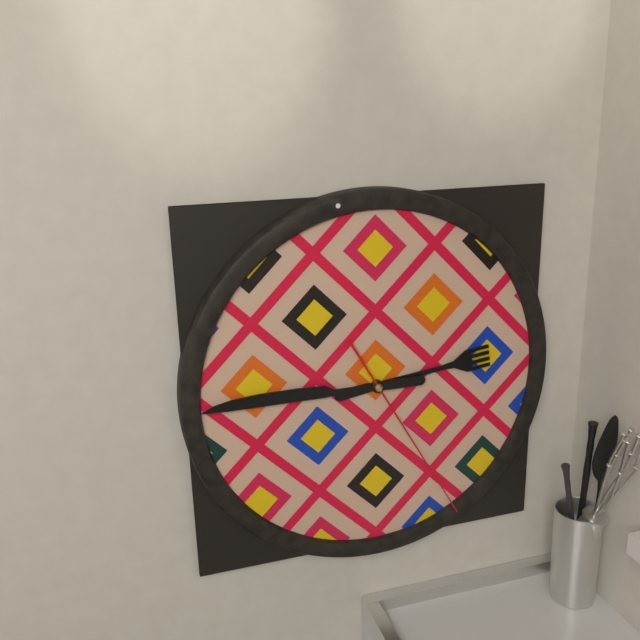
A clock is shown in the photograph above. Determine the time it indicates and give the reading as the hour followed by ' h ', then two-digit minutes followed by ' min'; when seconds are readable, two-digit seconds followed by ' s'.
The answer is 2 h 45 min 25 s
